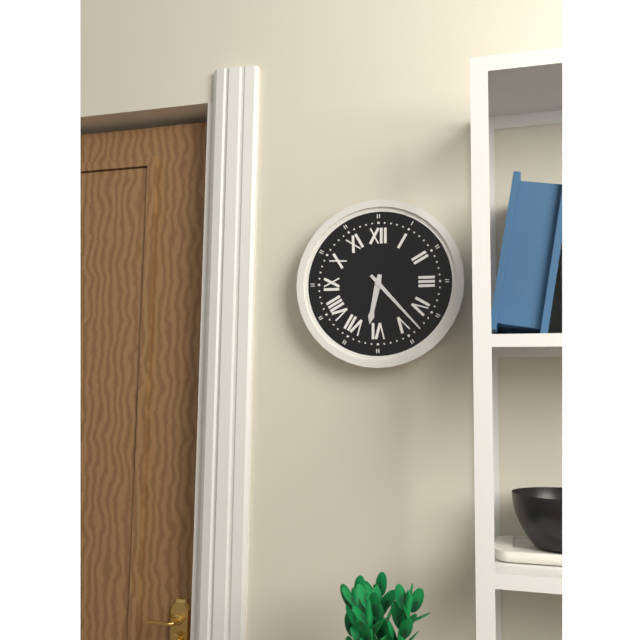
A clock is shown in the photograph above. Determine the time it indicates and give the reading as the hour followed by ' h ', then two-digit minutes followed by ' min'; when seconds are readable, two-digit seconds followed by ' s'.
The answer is 6 h 23 min
